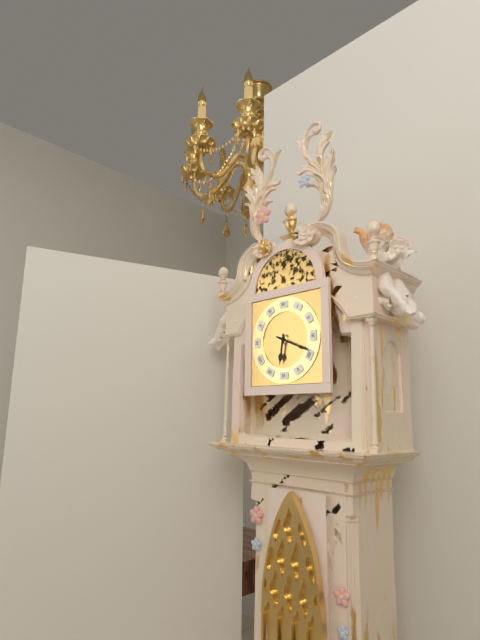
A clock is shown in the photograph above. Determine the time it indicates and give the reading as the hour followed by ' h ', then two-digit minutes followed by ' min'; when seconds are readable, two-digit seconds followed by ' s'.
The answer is 6 h 19 min
